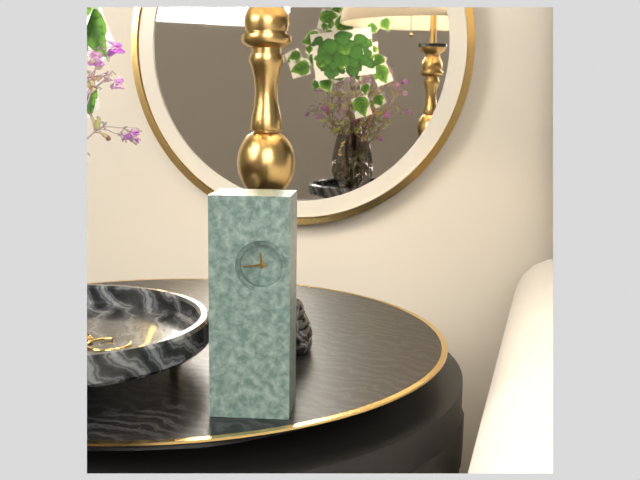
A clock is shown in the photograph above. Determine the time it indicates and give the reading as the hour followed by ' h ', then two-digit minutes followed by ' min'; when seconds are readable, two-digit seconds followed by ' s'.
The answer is 11 h 44 min
